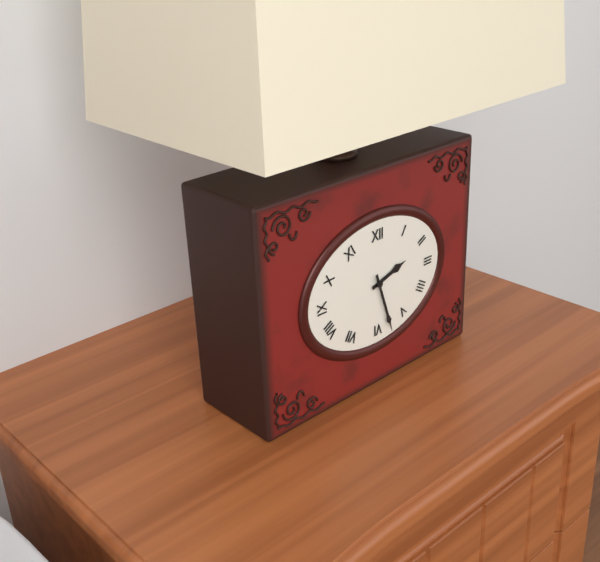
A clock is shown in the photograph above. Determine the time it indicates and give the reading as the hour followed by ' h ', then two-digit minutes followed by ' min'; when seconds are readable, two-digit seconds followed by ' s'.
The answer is 2 h 27 min
